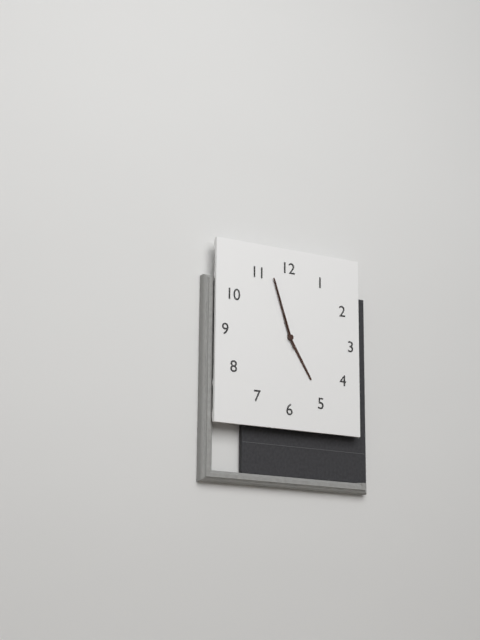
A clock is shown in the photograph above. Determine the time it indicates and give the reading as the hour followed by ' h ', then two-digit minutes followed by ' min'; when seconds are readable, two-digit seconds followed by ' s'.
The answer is 4 h 57 min 57 s
